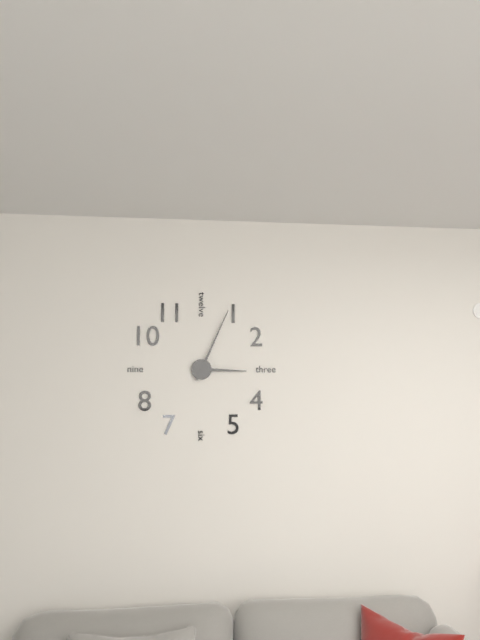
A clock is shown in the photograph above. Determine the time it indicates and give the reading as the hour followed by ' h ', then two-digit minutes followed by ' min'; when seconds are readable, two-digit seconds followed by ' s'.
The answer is 3 h 04 min
